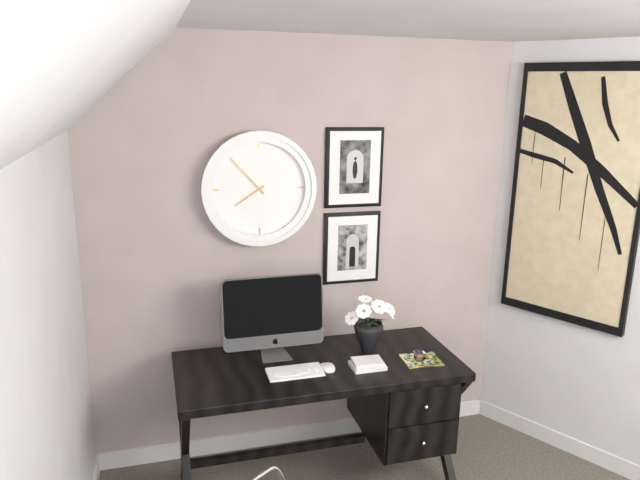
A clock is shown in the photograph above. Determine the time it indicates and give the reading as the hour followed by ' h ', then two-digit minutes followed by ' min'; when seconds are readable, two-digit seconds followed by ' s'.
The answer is 7 h 53 min
